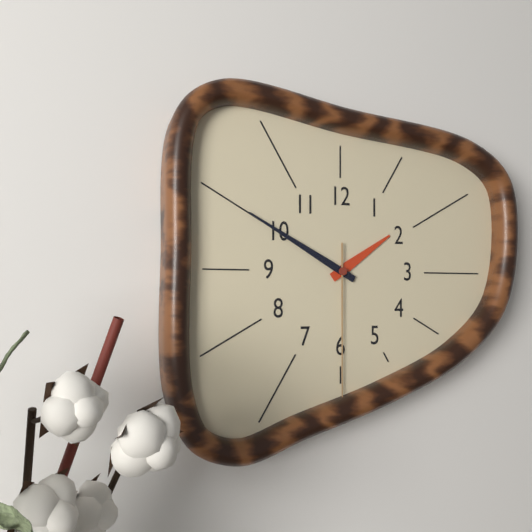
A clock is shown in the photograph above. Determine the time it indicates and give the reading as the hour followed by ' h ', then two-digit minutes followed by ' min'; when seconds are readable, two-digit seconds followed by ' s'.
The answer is 1 h 50 min 30 s
